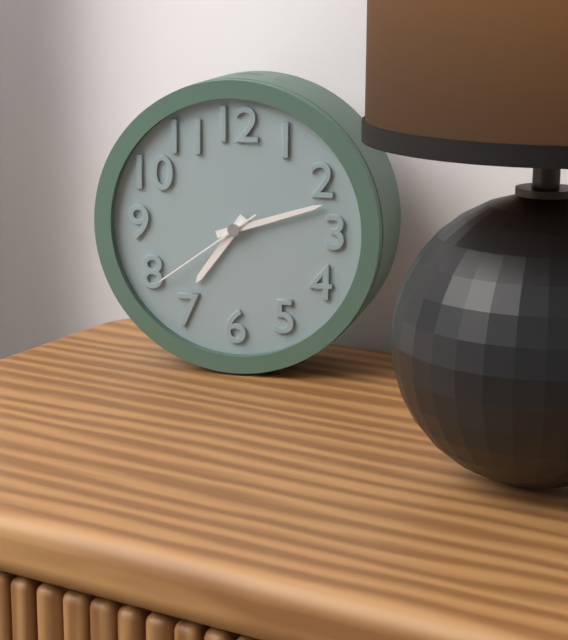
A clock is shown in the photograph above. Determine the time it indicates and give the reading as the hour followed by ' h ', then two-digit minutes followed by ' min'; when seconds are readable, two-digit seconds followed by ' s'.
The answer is 7 h 12 min 39 s
